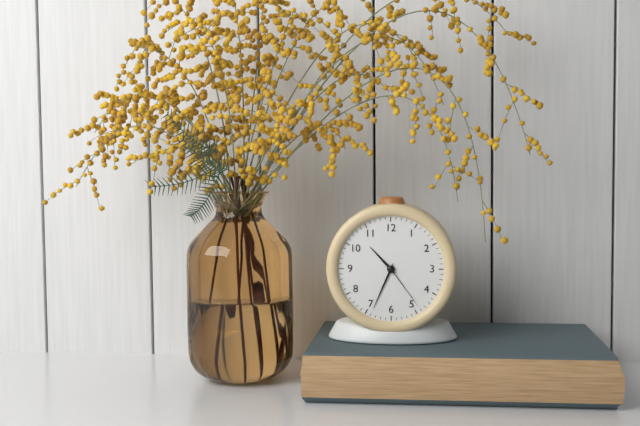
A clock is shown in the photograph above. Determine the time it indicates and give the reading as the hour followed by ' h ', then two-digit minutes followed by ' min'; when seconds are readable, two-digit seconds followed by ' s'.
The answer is 10 h 34 min 24 s
